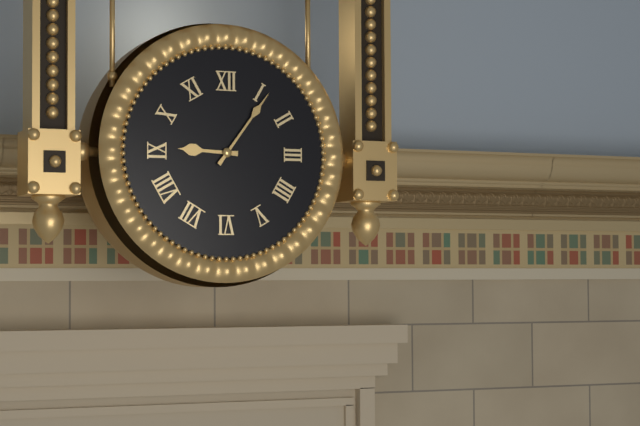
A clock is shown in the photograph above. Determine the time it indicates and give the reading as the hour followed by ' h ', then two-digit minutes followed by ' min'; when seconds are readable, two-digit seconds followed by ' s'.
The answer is 9 h 06 min
